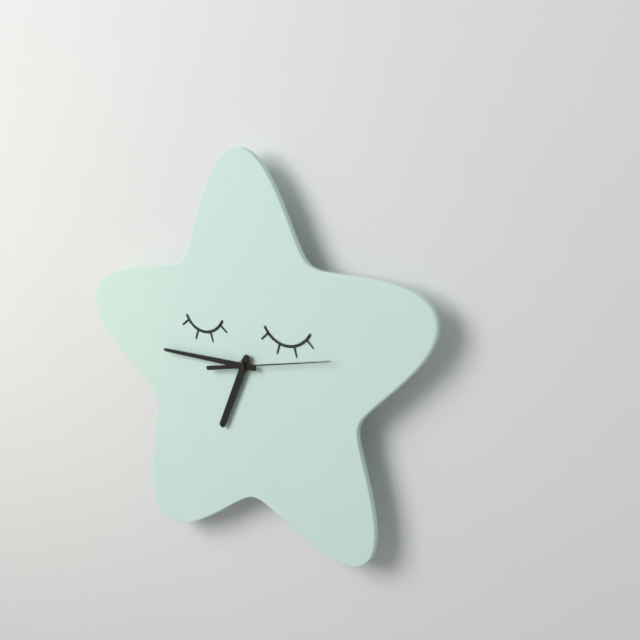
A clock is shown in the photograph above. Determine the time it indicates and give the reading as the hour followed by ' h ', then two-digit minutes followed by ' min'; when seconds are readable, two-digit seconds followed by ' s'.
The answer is 6 h 45 min 13 s
